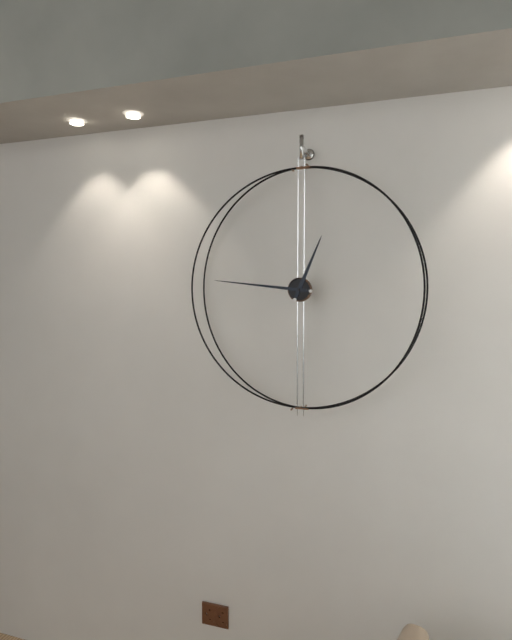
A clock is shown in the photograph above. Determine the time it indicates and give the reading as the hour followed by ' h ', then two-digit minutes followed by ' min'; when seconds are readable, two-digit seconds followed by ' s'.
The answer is 12 h 46 min
